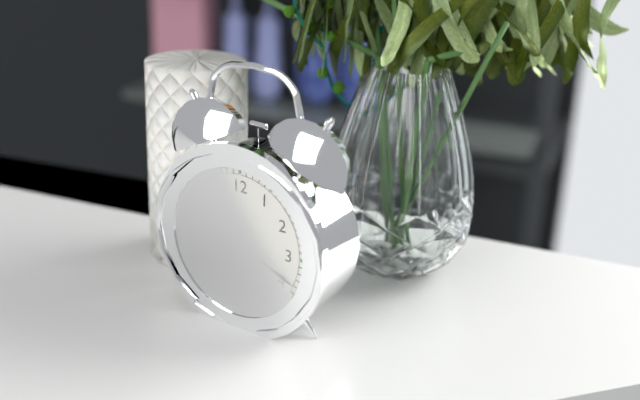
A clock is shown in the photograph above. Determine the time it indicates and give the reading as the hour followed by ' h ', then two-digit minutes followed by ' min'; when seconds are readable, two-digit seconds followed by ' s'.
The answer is 7 h 19 min 44 s
